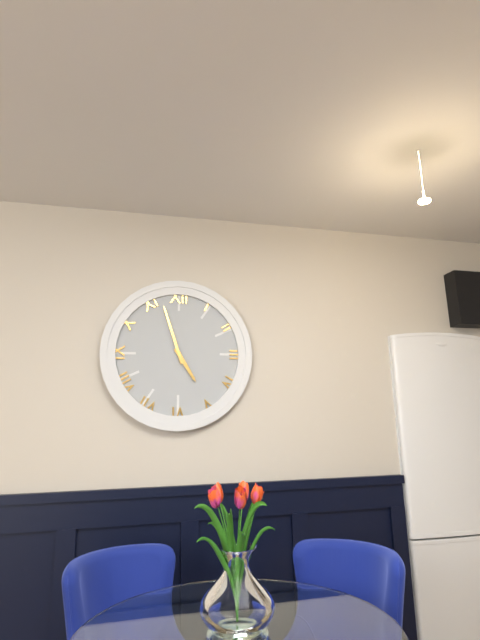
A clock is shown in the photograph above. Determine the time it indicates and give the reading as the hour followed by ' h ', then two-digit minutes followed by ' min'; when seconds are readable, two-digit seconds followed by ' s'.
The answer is 4 h 57 min
